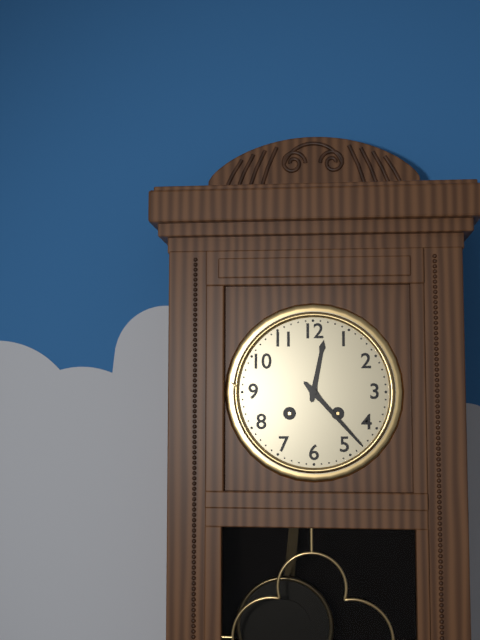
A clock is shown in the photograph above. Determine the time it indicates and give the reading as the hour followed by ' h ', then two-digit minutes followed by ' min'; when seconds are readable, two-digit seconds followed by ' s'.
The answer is 12 h 23 min
